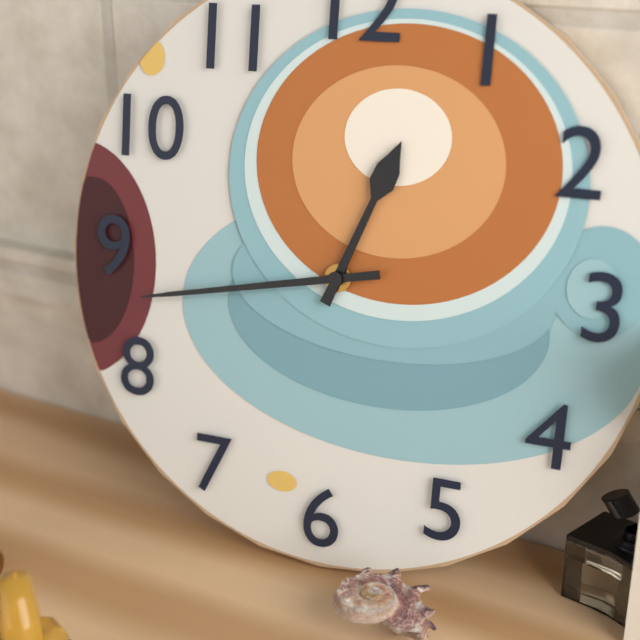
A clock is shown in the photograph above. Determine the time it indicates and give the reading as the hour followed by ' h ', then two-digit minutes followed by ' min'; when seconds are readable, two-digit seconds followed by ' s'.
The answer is 12 h 43 min
